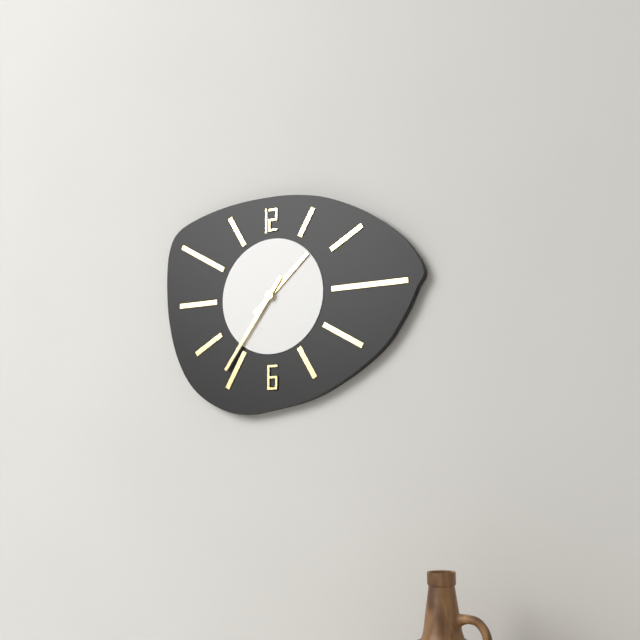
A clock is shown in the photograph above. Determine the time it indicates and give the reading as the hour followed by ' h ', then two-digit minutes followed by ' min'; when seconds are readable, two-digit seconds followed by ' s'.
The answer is 1 h 36 min
